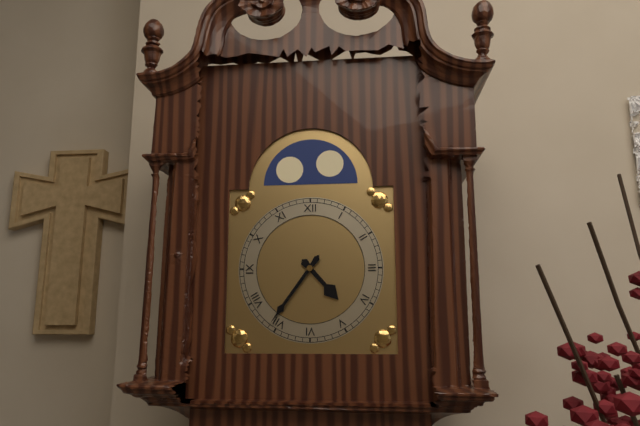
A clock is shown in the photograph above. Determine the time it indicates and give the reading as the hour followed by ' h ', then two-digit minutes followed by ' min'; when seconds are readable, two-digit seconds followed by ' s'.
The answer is 4 h 36 min
